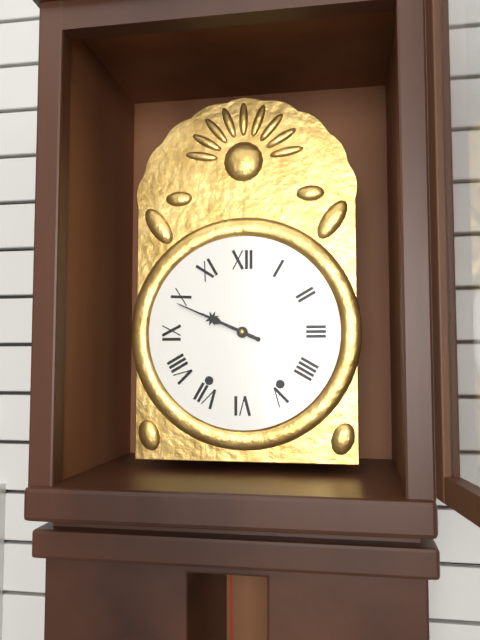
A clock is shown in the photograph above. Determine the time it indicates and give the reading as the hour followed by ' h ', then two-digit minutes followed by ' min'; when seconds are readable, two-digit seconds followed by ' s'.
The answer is 9 h 49 min
